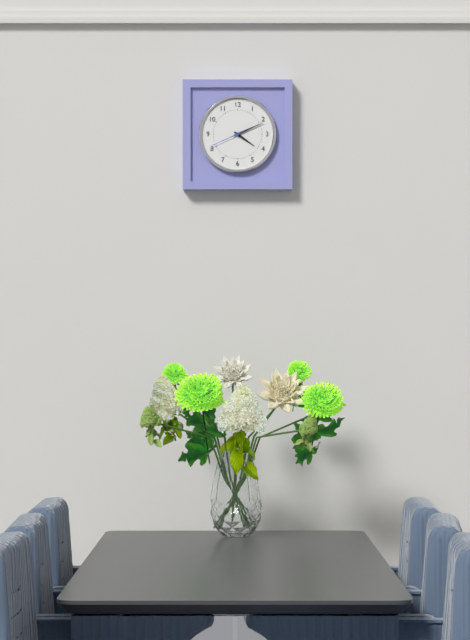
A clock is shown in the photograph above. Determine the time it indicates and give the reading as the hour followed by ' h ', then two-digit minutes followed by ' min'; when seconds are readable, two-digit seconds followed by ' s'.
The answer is 4 h 11 min
